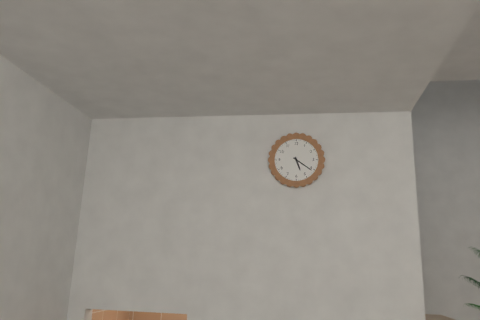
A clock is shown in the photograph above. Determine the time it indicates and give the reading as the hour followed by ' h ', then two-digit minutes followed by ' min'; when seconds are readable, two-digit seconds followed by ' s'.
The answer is 5 h 21 min
